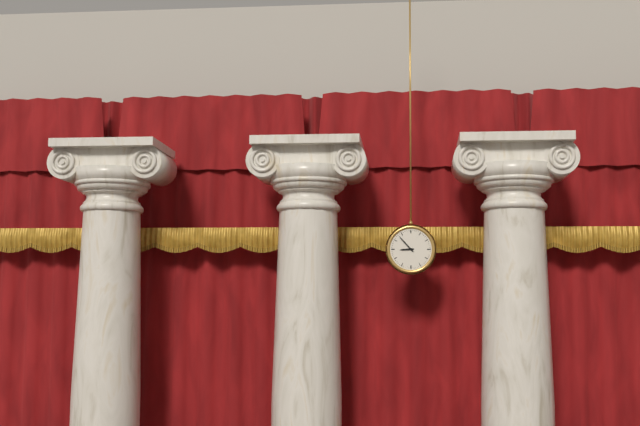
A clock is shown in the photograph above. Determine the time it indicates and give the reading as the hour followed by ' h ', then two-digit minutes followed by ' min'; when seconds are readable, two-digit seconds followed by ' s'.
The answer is 8 h 53 min
